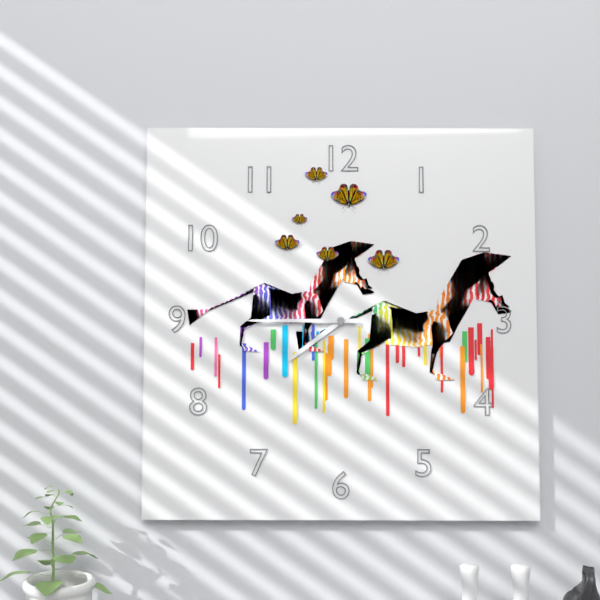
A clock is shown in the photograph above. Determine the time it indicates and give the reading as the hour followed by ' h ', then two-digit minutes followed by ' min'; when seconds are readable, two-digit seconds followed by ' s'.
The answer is 7 h 45 min
